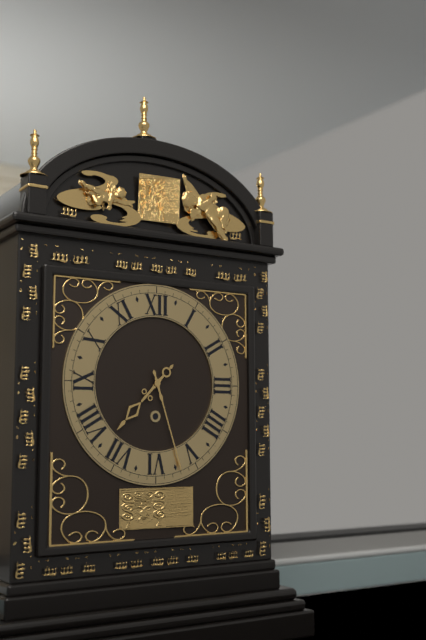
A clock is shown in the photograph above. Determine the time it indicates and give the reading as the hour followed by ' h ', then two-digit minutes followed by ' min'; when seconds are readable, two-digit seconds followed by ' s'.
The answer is 7 h 27 min
